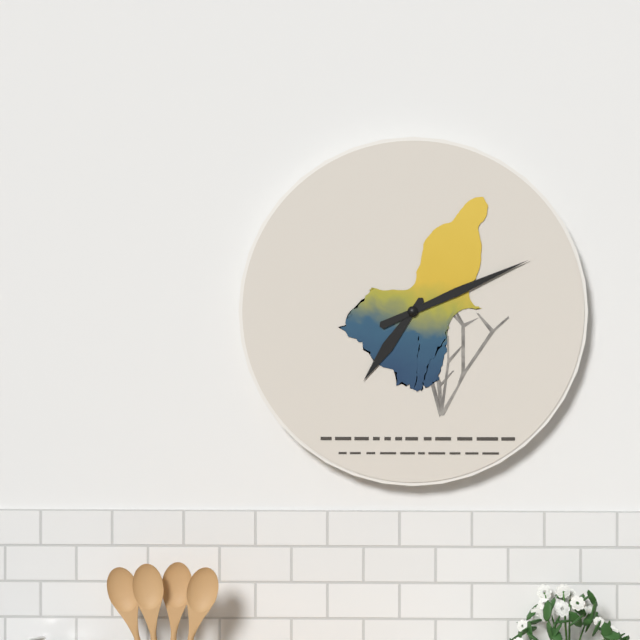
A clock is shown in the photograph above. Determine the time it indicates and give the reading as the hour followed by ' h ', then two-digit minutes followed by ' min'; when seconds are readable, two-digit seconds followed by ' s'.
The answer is 7 h 11 min
